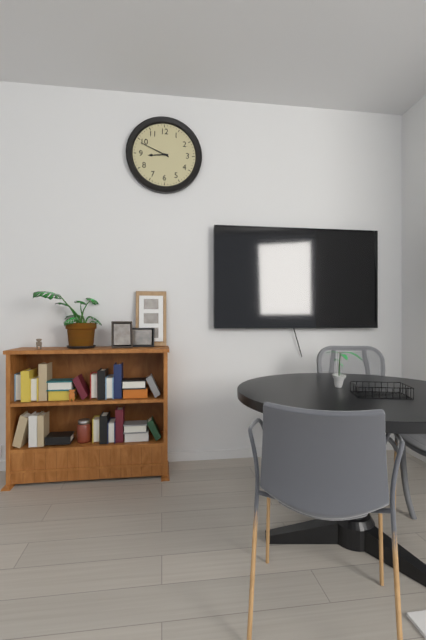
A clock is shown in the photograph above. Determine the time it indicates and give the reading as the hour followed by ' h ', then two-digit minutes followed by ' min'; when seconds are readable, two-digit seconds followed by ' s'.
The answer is 8 h 49 min
